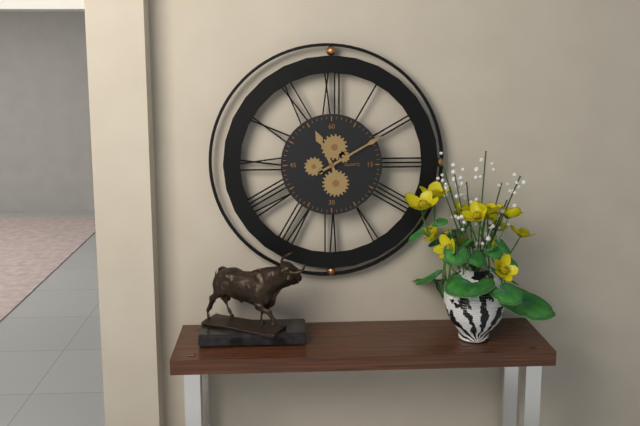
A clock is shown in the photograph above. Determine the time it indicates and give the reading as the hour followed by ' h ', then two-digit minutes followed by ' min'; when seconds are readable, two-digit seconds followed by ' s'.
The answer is 11 h 10 min
